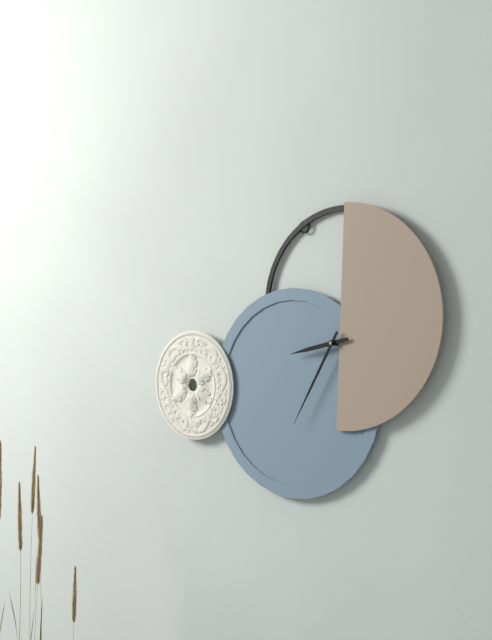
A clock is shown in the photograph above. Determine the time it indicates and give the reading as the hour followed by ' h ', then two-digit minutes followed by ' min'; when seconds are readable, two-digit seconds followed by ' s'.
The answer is 8 h 35 min
